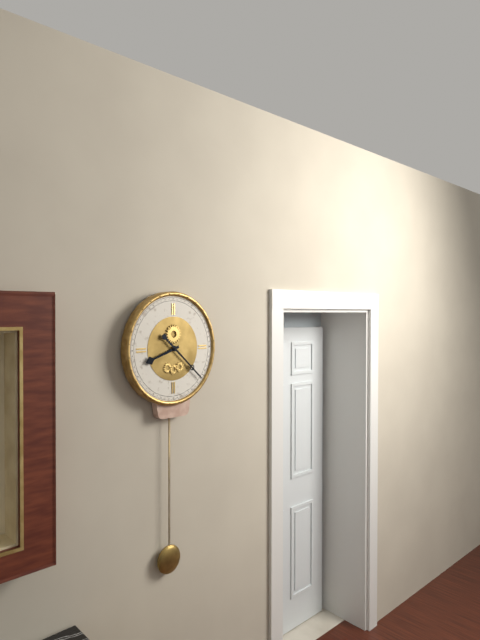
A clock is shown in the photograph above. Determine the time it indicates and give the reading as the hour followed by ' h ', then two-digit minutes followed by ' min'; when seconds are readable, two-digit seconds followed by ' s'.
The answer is 8 h 22 min
